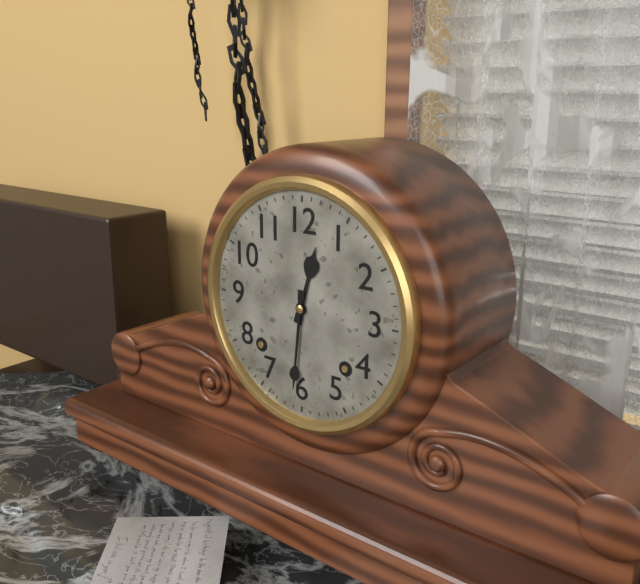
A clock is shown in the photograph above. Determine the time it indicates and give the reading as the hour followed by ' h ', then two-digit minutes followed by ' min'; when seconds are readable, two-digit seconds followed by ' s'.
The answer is 12 h 31 min
